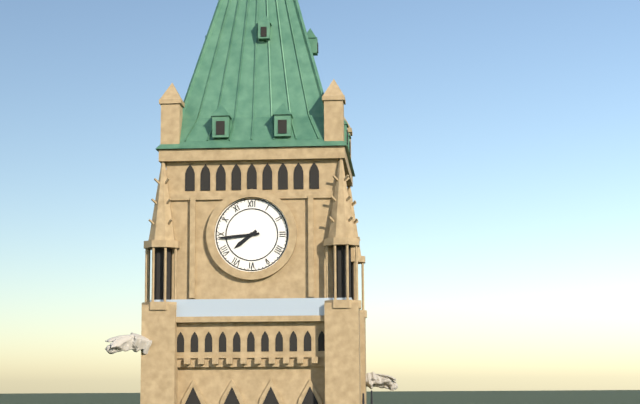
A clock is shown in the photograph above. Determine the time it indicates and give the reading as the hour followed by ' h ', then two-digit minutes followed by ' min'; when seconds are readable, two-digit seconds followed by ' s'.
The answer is 7 h 44 min
